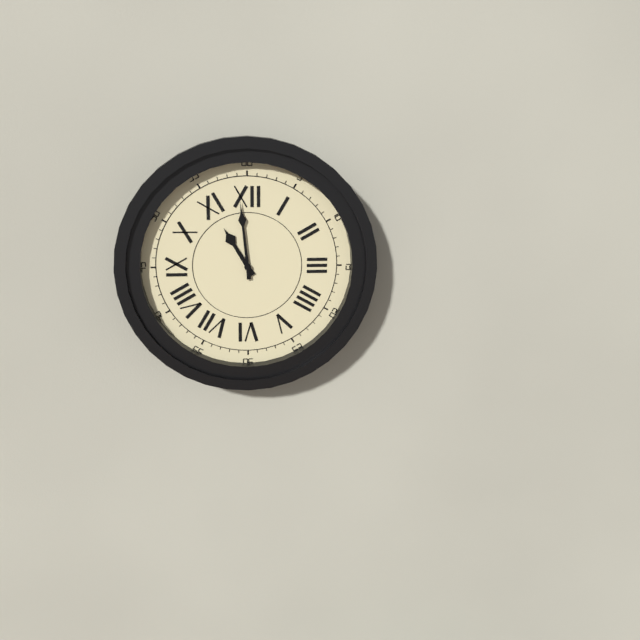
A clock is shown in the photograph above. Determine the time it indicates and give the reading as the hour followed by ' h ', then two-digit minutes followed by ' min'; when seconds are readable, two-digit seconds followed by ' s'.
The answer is 10 h 59 min
